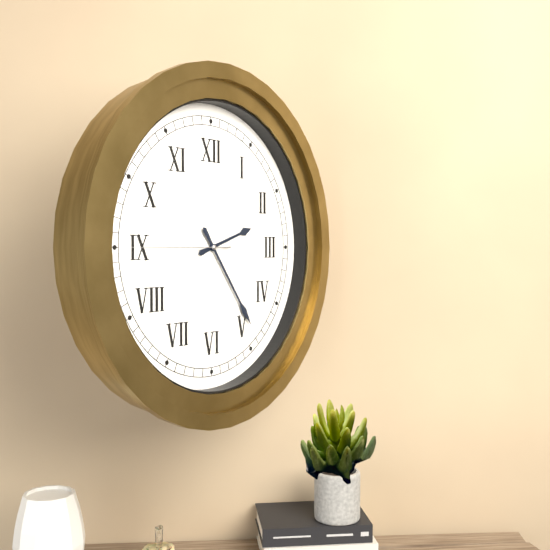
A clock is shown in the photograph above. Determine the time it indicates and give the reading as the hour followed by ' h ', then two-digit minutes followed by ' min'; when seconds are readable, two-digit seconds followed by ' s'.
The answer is 2 h 24 min 45 s
